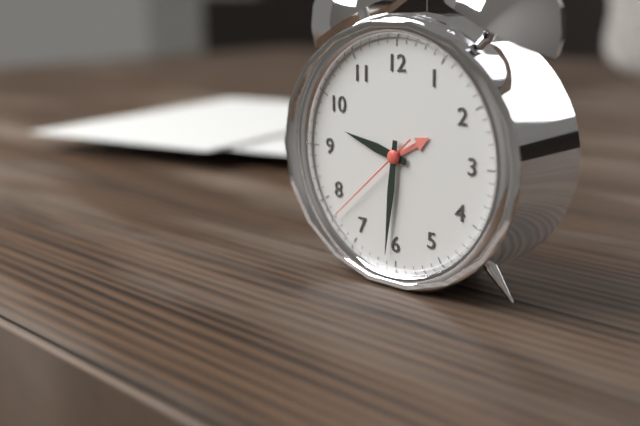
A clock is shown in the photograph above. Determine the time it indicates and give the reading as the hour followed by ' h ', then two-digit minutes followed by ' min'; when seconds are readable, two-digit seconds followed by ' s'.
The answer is 9 h 31 min 38 s
